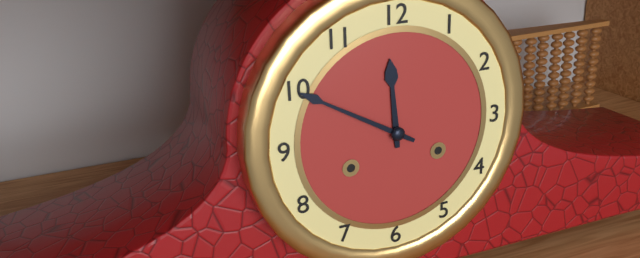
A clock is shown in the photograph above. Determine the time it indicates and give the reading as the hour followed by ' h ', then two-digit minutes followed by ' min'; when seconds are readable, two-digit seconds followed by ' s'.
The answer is 11 h 50 min
